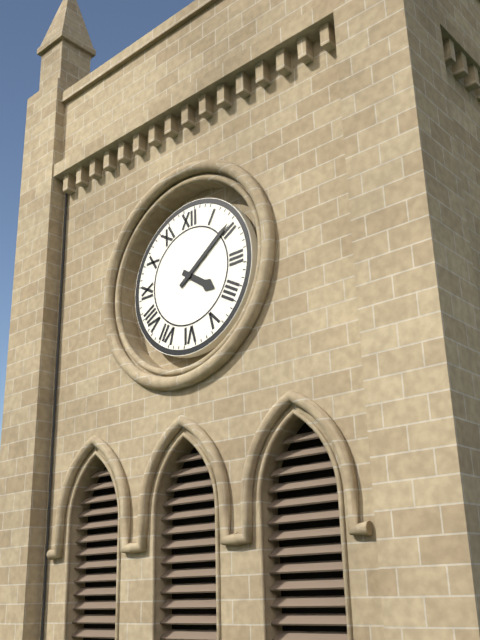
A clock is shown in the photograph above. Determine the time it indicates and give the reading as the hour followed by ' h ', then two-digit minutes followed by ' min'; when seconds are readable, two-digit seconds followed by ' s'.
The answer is 4 h 09 min
